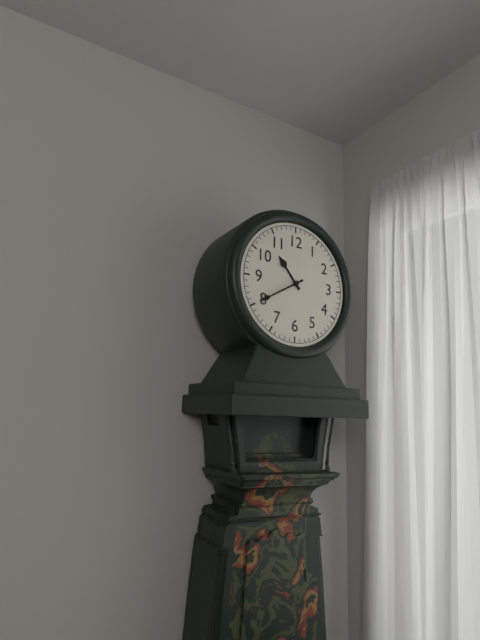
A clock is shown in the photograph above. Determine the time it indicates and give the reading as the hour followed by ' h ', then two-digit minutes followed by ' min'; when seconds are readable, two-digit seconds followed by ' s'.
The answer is 10 h 40 min
